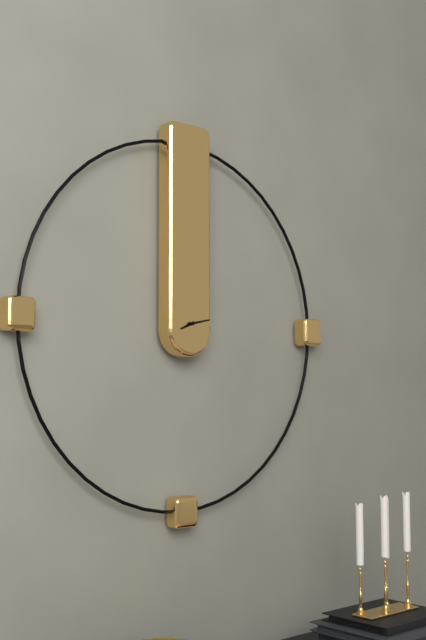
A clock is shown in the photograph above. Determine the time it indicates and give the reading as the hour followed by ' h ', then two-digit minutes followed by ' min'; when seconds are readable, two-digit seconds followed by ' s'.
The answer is 8 h 13 min
